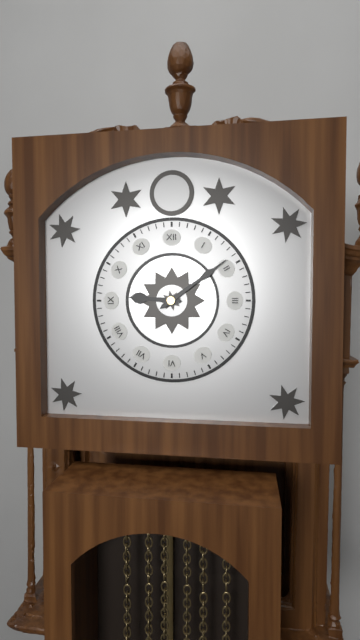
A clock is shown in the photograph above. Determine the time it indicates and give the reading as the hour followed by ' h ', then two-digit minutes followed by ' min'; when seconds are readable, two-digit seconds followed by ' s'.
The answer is 9 h 09 min
